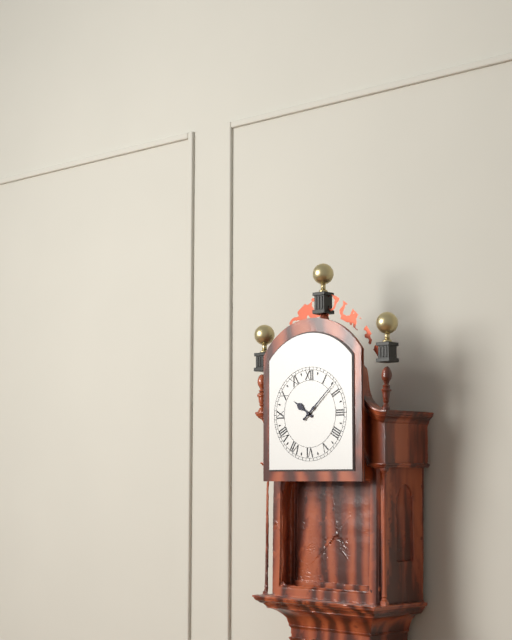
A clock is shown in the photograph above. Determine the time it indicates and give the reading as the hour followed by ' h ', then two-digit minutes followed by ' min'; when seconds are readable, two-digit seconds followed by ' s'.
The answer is 10 h 08 min
